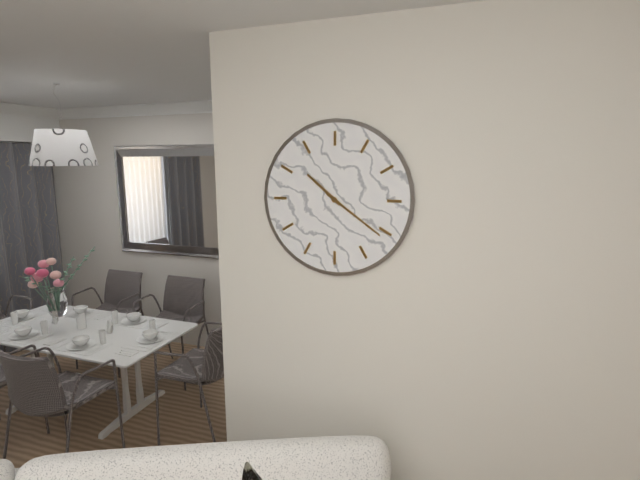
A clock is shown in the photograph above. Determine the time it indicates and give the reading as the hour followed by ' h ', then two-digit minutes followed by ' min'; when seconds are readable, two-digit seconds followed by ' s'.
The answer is 10 h 21 min
